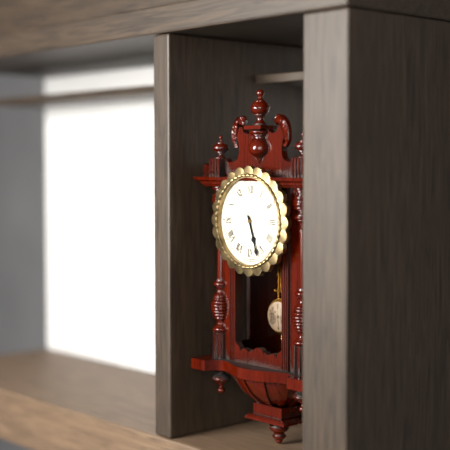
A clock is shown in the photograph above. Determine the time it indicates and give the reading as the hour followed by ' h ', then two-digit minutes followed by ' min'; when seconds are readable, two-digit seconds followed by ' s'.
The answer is 5 h 27 min
